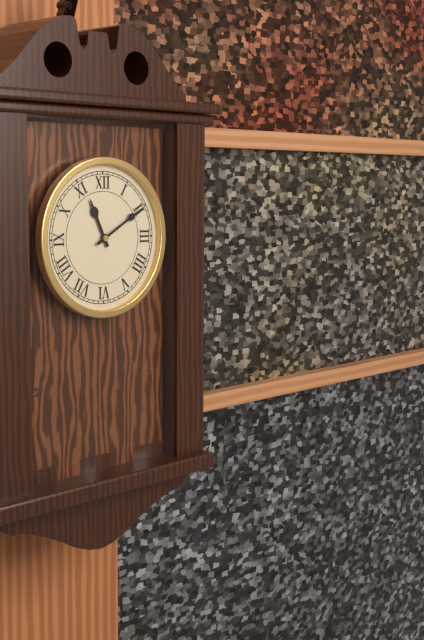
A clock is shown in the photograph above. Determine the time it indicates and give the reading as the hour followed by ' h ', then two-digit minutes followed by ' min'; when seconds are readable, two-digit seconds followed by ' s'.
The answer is 11 h 10 min
